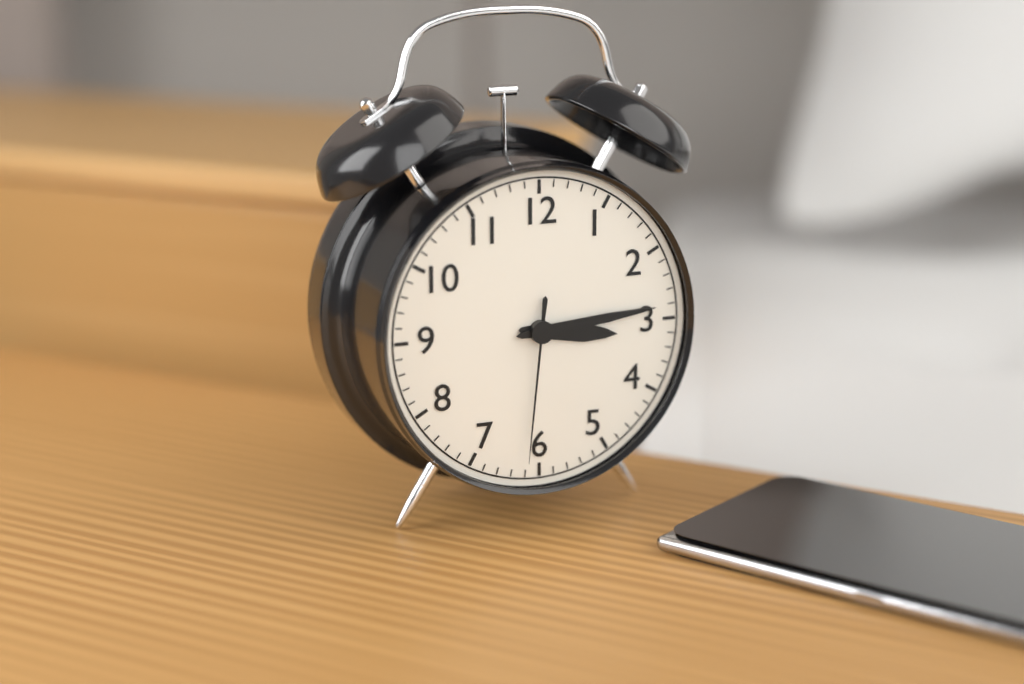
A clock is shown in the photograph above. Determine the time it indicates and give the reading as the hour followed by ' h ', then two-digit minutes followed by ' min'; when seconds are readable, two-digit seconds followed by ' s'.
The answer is 3 h 14 min 31 s
